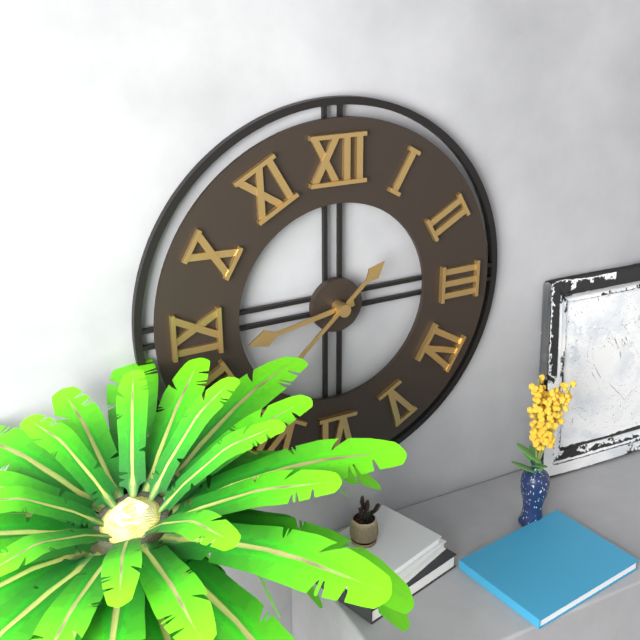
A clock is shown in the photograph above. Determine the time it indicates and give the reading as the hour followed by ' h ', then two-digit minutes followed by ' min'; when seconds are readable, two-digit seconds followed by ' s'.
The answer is 8 h 38 min
